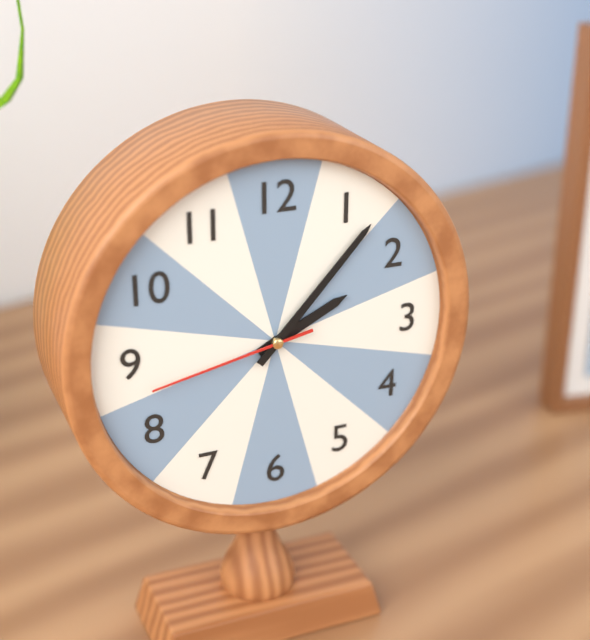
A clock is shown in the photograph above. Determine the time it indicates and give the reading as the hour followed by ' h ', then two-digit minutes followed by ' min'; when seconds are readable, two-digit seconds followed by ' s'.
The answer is 2 h 07 min 43 s
